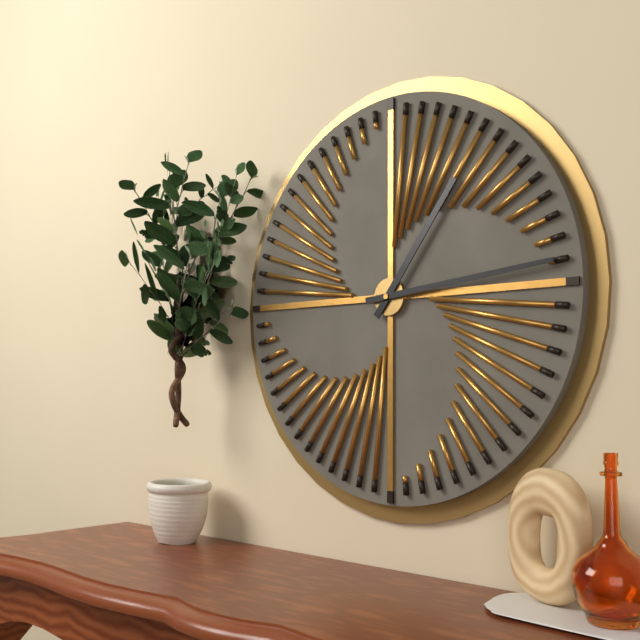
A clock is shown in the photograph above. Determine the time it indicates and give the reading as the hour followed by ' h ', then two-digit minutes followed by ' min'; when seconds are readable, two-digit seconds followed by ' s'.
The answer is 1 h 14 min
